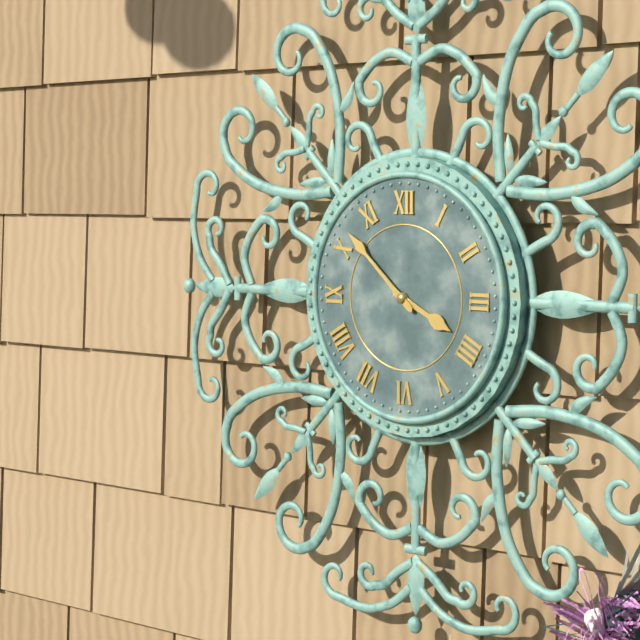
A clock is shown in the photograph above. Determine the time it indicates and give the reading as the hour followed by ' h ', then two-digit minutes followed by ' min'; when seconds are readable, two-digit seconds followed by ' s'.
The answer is 3 h 52 min
